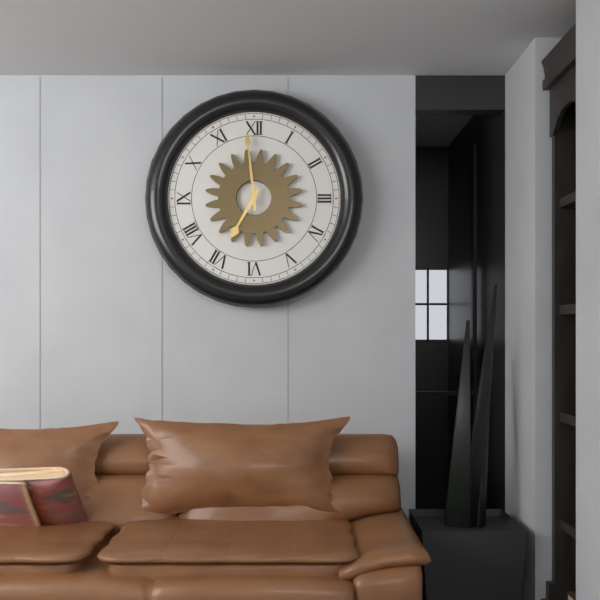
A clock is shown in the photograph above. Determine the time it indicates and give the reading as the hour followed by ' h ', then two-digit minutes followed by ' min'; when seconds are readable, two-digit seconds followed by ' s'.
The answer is 6 h 59 min
